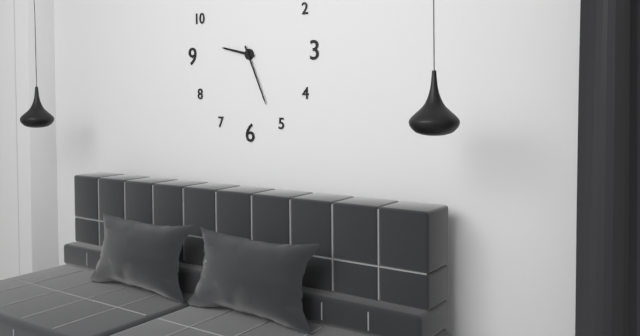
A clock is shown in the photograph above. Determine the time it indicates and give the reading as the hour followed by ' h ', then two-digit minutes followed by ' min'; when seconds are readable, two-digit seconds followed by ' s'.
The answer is 9 h 26 min
